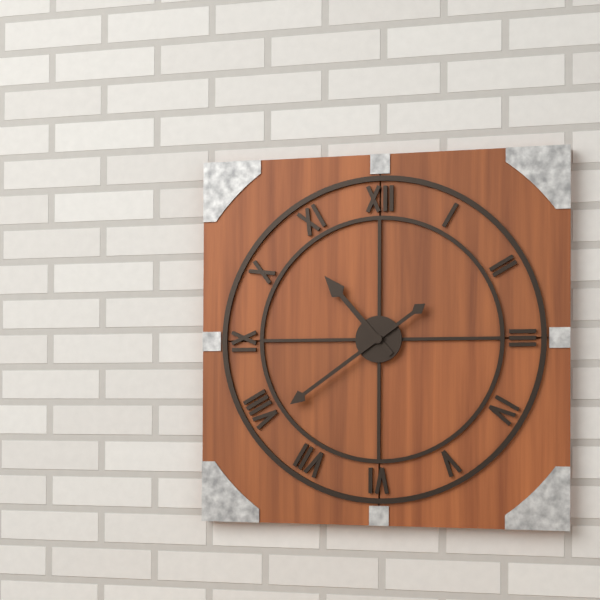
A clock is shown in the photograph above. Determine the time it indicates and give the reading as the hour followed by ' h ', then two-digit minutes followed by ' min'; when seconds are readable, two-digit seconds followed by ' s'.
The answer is 10 h 39 min
